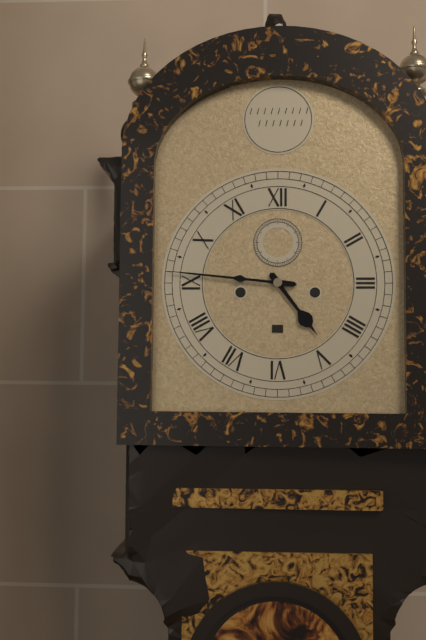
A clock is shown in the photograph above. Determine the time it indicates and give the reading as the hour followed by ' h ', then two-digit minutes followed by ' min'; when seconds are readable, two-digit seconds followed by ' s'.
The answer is 4 h 46 min
